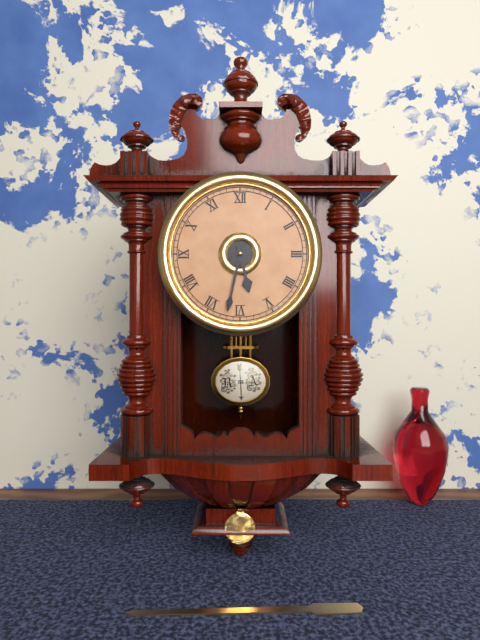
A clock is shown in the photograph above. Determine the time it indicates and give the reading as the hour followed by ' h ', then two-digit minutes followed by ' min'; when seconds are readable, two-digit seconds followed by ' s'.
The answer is 5 h 32 min
